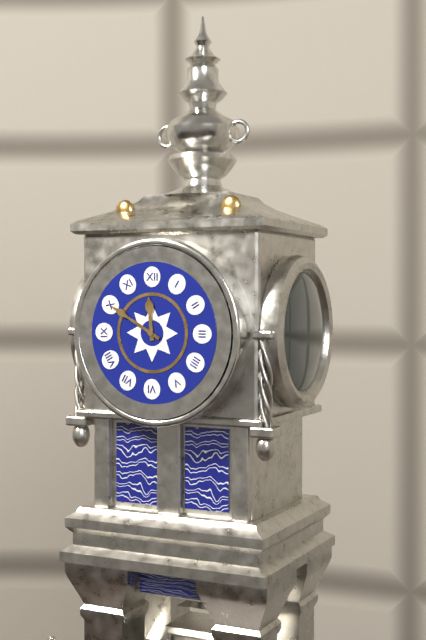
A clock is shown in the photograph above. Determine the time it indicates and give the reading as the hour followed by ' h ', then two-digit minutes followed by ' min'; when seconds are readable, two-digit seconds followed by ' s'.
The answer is 11 h 50 min
